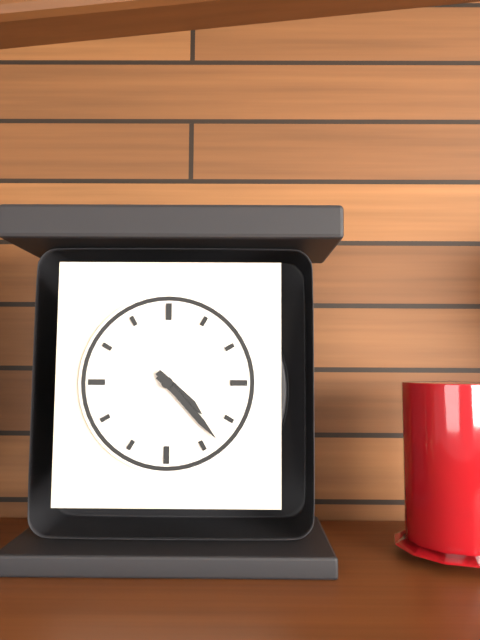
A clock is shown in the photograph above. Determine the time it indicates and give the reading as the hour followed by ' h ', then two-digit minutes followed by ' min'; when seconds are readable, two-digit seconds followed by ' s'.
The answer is 4 h 23 min
